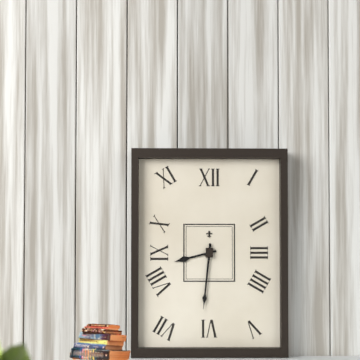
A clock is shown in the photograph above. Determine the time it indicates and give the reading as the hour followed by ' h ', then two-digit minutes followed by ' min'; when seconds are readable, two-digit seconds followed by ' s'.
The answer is 8 h 31 min
